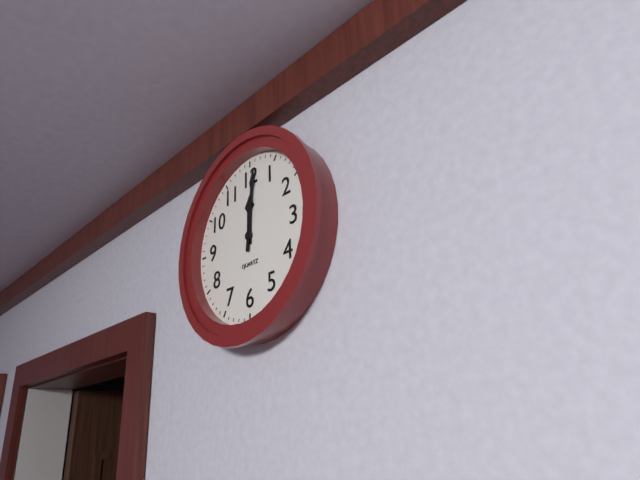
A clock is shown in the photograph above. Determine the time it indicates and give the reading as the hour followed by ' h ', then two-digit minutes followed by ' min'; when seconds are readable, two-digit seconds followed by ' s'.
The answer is 12 h 01 min
